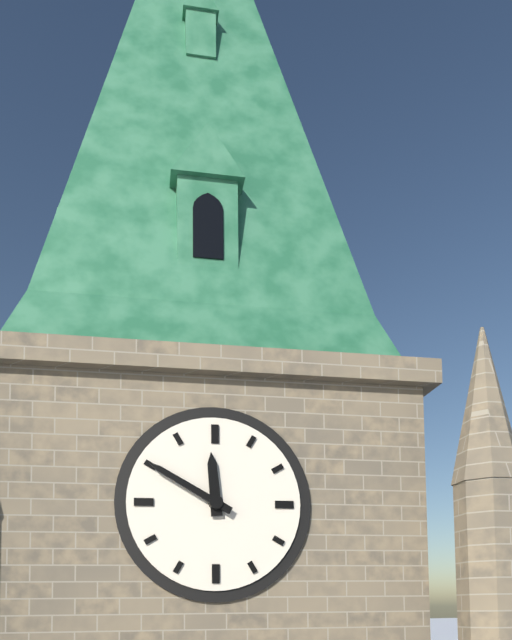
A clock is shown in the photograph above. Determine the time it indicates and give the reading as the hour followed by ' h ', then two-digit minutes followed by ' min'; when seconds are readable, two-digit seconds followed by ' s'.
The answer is 11 h 50 min
